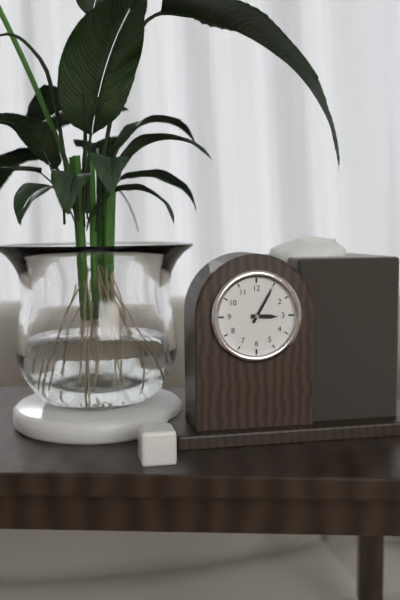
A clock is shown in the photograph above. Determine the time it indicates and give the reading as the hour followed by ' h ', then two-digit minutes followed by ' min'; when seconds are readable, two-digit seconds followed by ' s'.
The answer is 3 h 05 min
